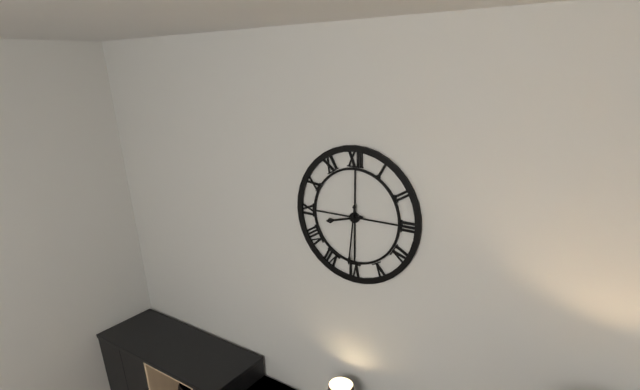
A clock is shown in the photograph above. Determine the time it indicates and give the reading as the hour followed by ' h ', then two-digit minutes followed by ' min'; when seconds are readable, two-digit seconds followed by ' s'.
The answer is 8 h 31 min
